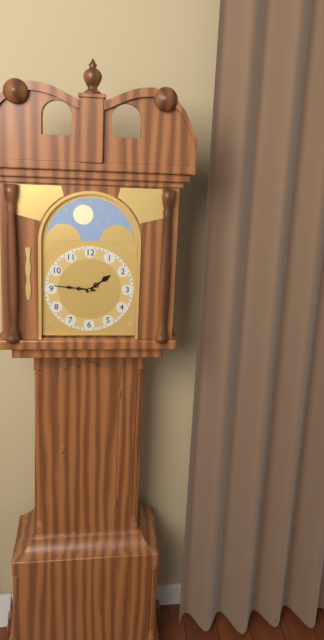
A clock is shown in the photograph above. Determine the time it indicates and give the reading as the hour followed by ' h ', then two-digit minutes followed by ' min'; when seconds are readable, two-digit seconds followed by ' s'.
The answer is 1 h 46 min
